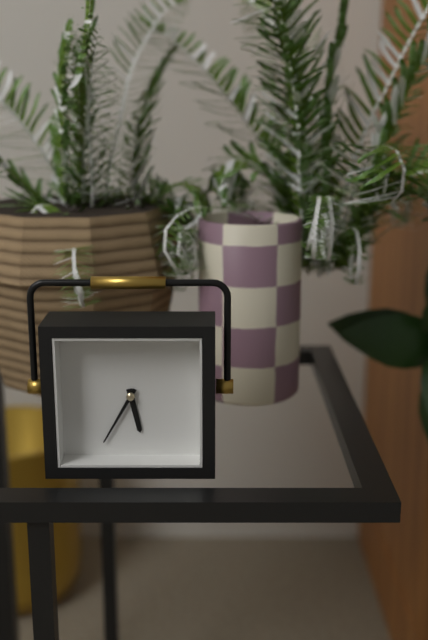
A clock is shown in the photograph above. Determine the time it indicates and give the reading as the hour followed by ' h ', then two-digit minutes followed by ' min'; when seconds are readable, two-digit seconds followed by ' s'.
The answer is 5 h 35 min
